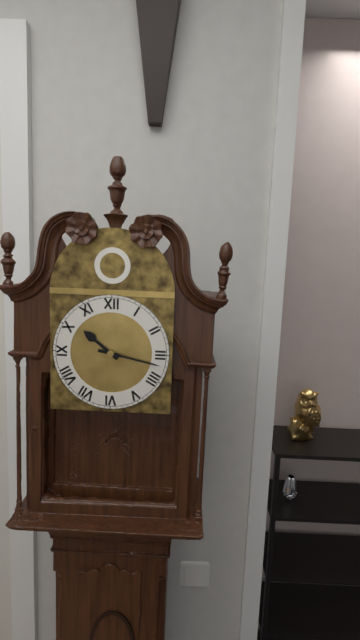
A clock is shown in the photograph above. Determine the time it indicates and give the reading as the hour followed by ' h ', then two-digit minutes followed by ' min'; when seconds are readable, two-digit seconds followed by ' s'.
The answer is 10 h 17 min
